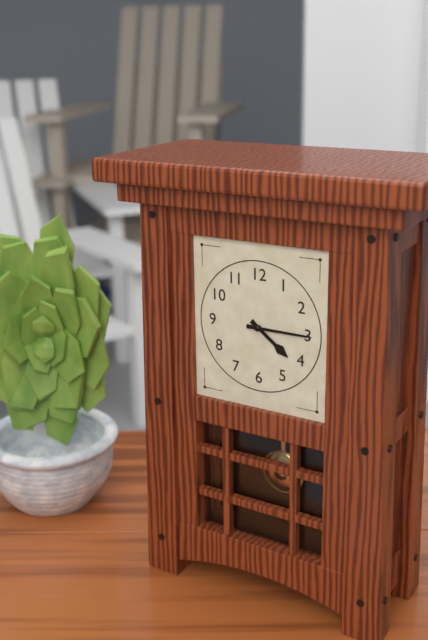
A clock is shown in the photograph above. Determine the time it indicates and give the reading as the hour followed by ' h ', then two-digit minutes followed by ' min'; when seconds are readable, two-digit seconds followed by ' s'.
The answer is 4 h 15 min
